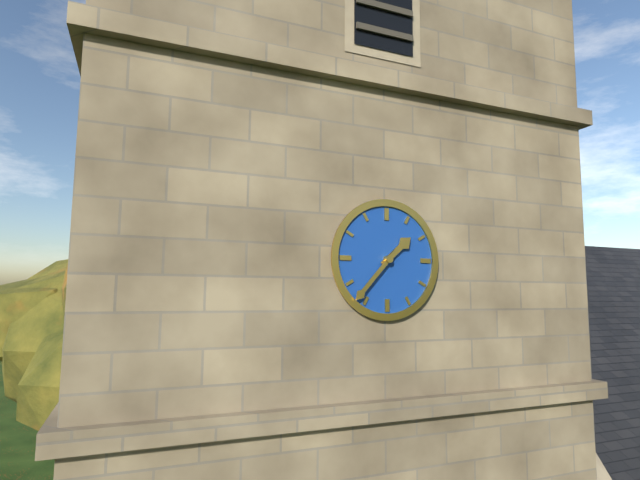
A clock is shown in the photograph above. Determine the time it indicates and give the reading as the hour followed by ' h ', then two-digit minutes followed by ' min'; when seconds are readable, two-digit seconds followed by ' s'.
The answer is 1 h 37 min
